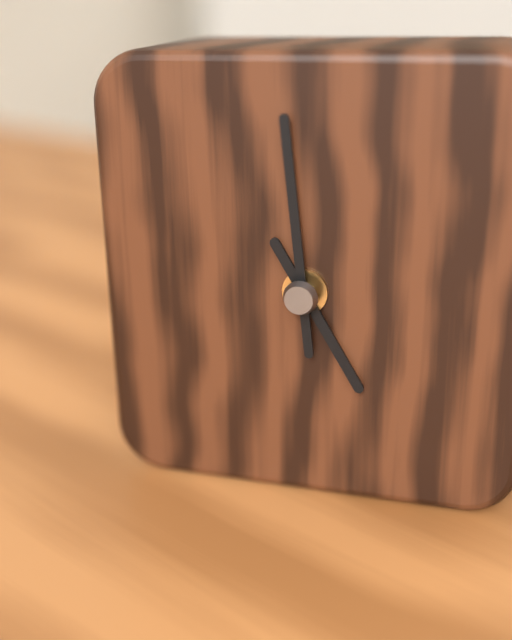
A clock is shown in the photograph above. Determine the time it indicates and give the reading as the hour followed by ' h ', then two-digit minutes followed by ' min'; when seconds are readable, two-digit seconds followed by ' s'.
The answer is 4 h 59 min
